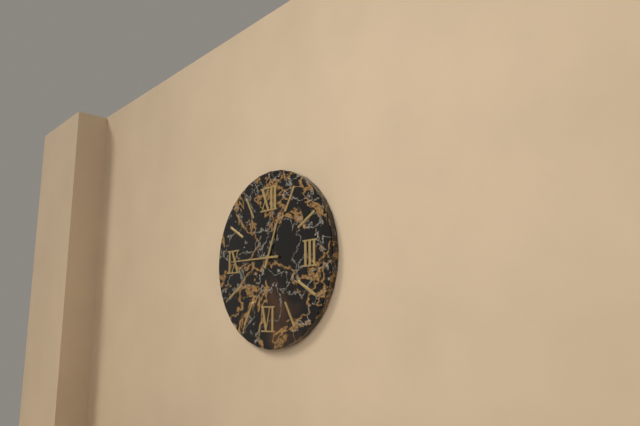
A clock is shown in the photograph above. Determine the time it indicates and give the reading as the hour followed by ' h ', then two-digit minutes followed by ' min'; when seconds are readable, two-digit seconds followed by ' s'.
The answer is 12 h 45 min
